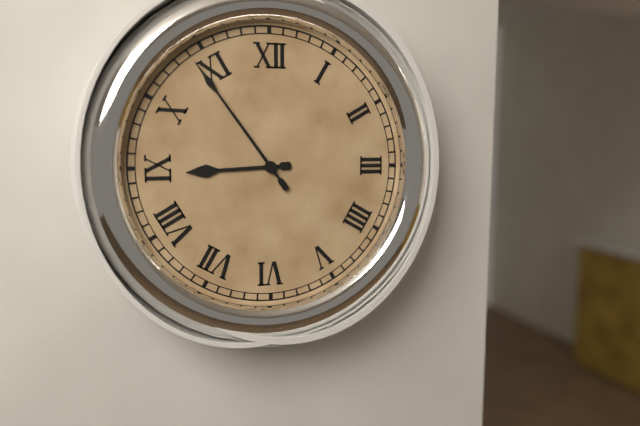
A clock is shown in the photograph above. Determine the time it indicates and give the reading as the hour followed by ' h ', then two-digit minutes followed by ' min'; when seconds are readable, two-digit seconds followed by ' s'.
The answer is 8 h 54 min
